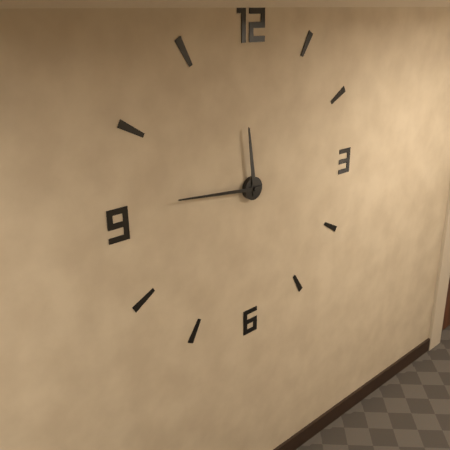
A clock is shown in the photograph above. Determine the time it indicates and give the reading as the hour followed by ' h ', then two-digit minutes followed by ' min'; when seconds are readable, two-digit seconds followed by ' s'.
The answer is 11 h 46 min
